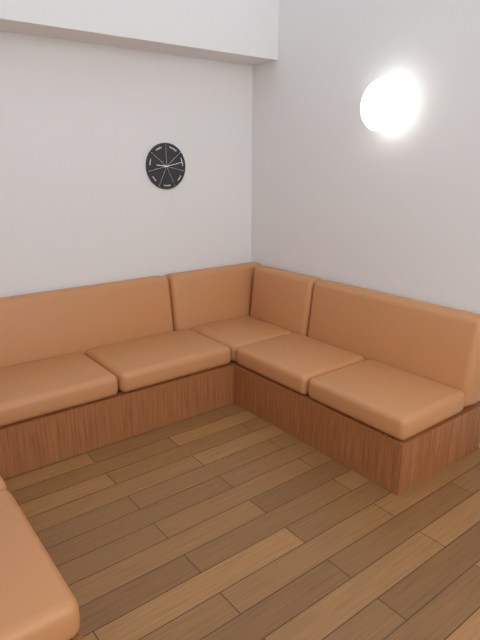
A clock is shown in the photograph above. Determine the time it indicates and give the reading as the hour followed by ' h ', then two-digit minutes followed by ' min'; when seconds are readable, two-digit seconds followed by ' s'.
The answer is 9 h 13 min
